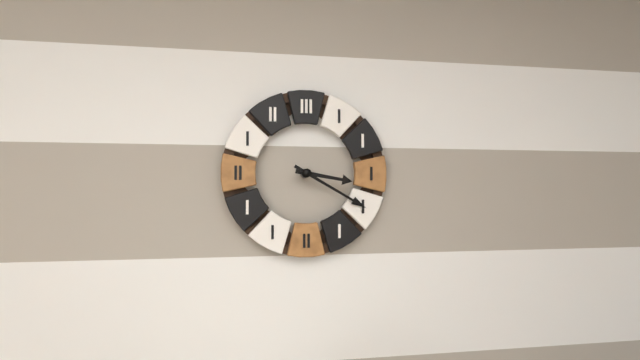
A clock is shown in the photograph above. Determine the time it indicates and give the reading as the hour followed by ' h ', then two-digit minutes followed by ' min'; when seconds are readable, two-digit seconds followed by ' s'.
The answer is 3 h 20 min
